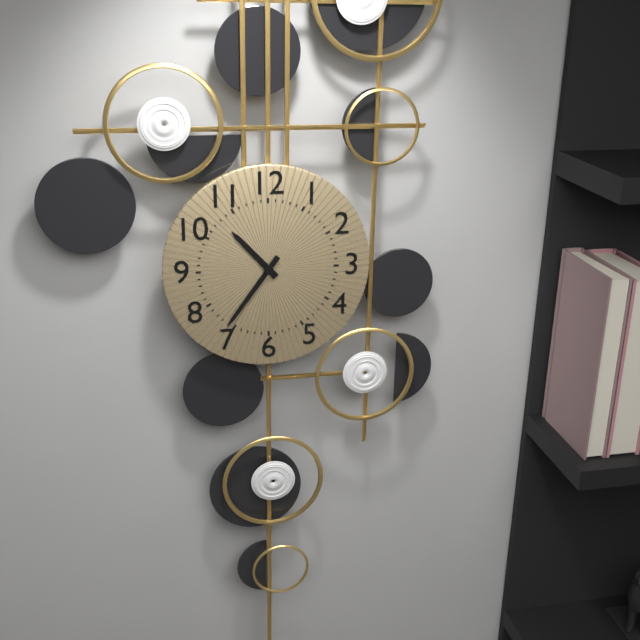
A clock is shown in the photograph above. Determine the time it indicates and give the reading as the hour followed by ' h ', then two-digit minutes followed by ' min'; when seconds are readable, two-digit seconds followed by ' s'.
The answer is 10 h 36 min
